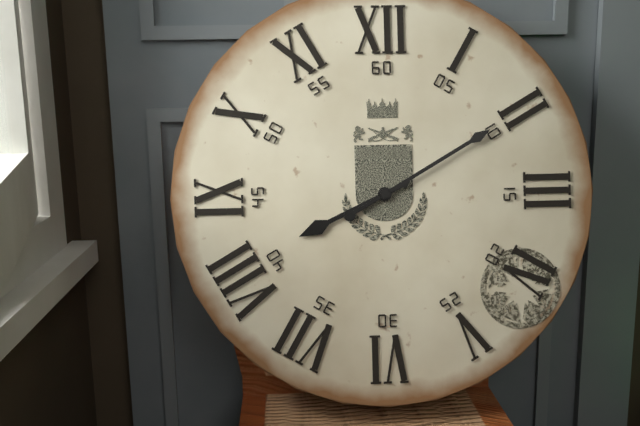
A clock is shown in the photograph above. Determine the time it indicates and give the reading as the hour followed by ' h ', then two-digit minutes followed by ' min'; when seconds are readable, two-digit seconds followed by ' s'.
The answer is 8 h 10 min
